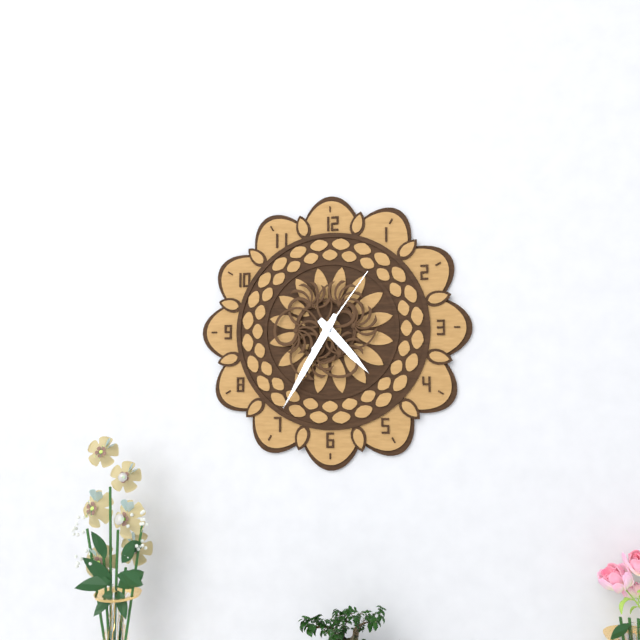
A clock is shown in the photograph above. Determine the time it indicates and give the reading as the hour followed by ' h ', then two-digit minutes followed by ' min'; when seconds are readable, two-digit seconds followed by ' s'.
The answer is 4 h 35 min 06 s
